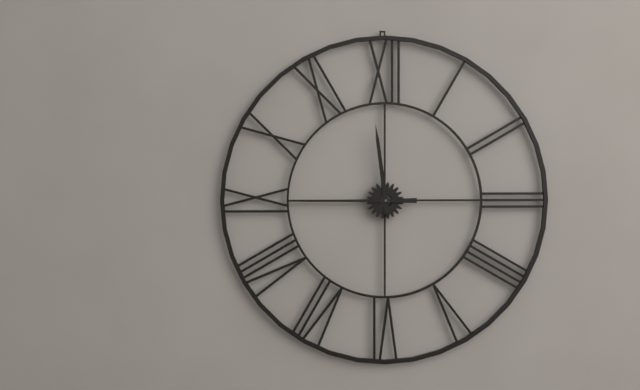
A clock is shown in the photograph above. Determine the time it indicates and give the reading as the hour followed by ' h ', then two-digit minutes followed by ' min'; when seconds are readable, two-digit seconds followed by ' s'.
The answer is 11 h 45 min
